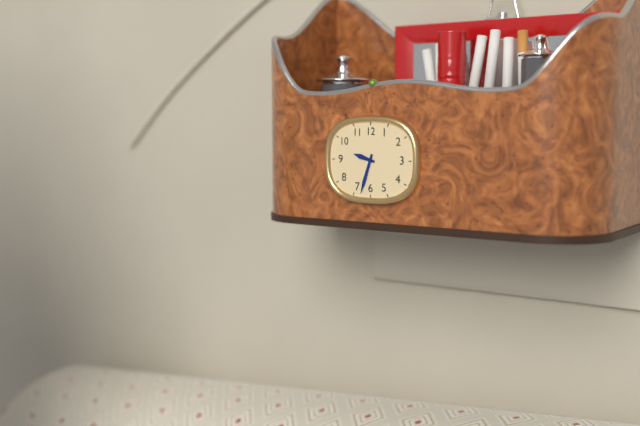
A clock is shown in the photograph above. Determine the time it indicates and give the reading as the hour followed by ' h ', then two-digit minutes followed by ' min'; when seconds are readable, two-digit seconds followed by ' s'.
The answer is 9 h 33 min
